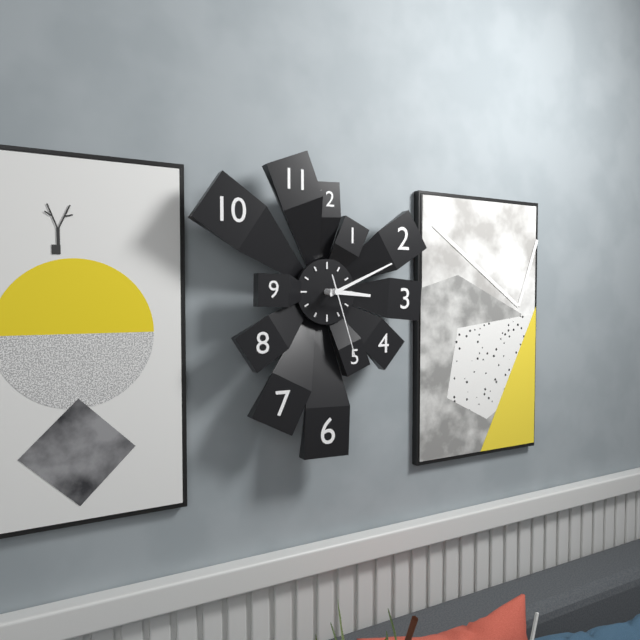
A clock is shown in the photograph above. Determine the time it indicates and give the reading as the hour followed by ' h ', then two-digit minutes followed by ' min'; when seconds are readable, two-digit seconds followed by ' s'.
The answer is 3 h 11 min 27 s
